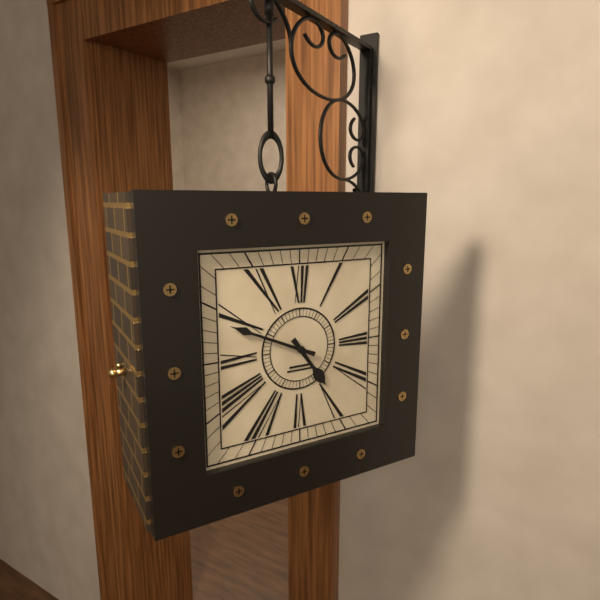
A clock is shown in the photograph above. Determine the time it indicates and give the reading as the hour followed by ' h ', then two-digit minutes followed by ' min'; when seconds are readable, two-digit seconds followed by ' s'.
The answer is 4 h 49 min
